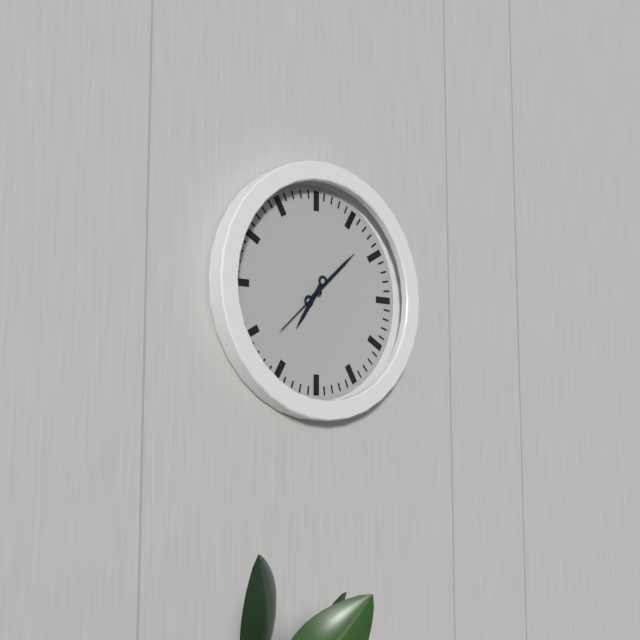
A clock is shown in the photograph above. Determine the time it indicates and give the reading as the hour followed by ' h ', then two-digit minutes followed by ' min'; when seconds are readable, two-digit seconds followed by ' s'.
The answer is 7 h 08 min 38 s
